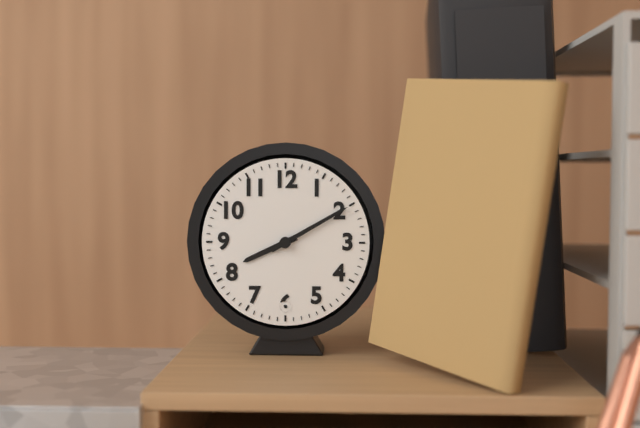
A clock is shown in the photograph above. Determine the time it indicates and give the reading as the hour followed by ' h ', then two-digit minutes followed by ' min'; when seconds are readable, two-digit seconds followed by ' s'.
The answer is 8 h 10 min
